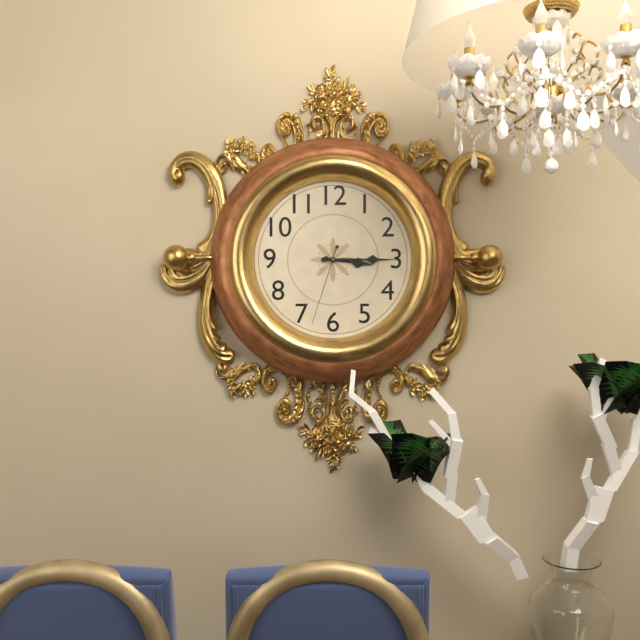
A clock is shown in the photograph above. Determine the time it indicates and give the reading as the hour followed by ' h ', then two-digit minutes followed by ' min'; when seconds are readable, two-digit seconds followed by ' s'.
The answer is 3 h 15 min 33 s
